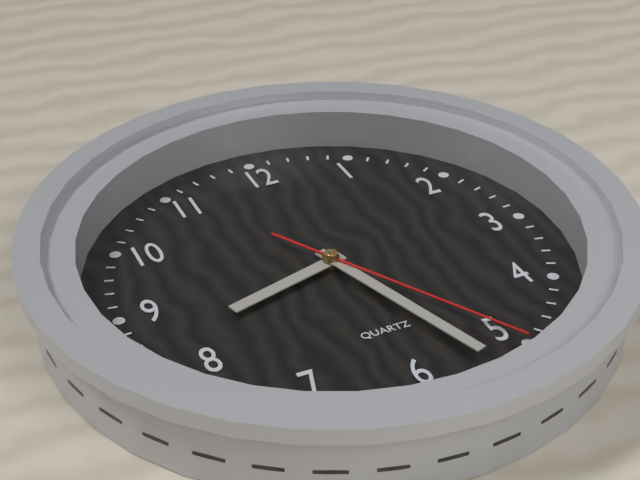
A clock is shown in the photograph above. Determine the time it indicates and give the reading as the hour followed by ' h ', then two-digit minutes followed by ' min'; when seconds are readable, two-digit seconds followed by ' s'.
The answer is 8 h 27 min 25 s
